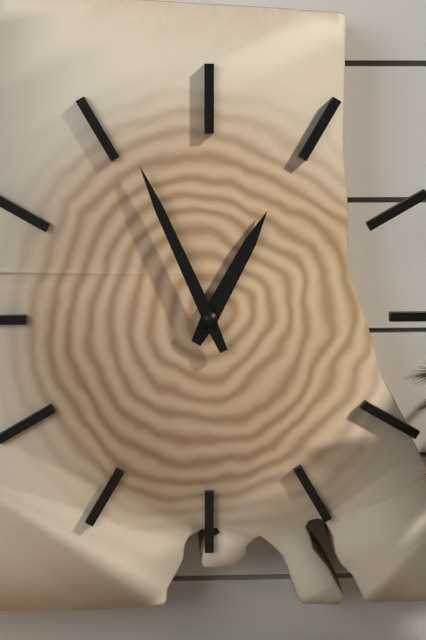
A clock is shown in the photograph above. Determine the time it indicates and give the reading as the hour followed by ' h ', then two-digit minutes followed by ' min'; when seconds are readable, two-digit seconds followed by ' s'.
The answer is 12 h 56 min
